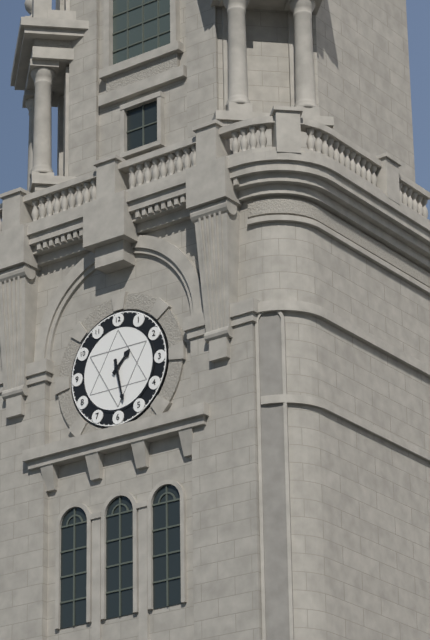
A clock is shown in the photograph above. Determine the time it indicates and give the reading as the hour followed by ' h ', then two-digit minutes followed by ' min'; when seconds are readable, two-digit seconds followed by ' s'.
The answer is 1 h 28 min
